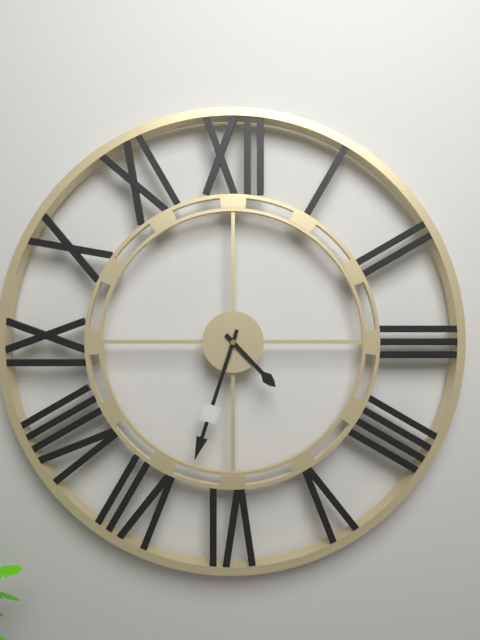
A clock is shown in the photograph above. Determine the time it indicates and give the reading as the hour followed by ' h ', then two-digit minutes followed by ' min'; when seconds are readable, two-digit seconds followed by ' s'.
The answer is 4 h 33 min
